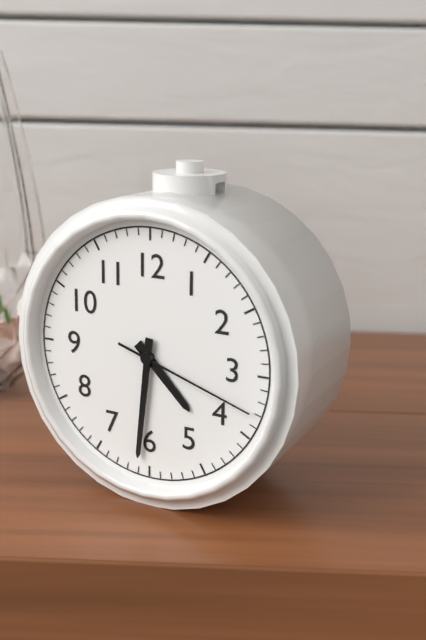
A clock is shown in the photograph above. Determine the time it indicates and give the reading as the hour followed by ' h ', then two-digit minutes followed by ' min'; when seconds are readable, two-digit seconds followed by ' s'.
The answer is 4 h 31 min 18 s
